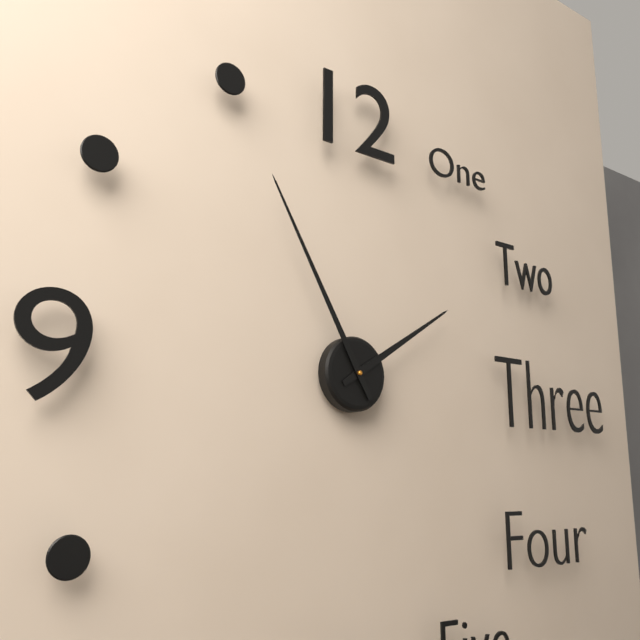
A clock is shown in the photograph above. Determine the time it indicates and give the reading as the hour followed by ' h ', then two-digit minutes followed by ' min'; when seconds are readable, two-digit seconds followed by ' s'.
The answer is 1 h 55 min
